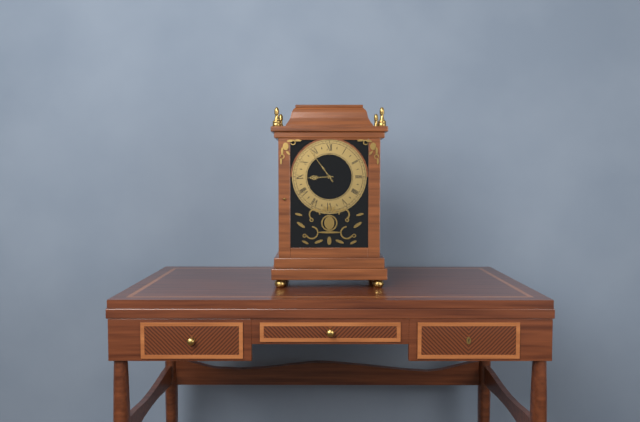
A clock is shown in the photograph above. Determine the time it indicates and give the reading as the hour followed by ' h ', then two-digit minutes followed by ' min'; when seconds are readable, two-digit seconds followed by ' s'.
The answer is 8 h 54 min
